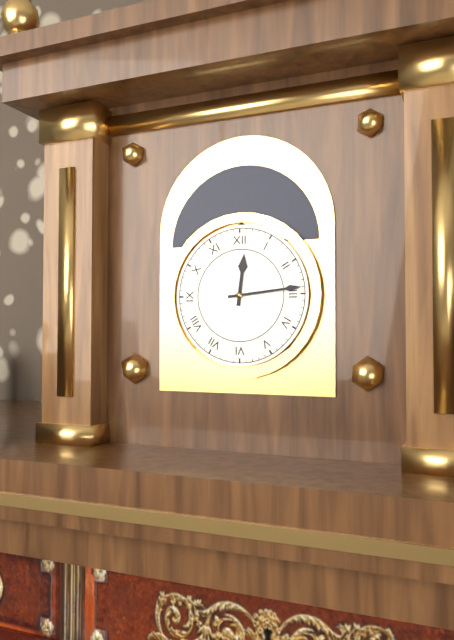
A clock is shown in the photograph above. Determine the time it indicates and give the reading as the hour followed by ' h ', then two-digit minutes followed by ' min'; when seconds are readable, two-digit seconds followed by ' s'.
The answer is 12 h 14 min
